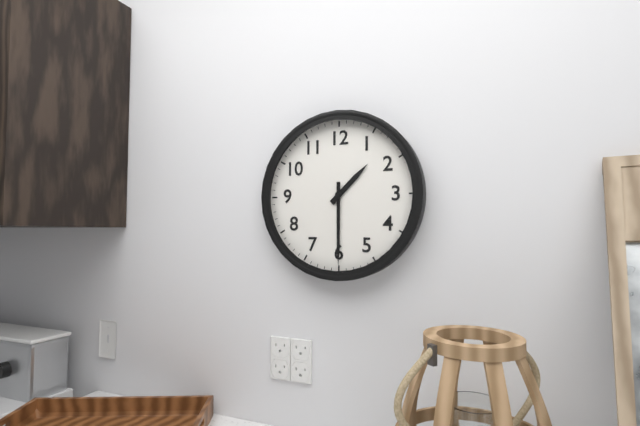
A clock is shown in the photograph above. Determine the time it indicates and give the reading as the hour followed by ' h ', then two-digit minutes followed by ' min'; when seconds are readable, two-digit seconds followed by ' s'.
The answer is 1 h 30 min
